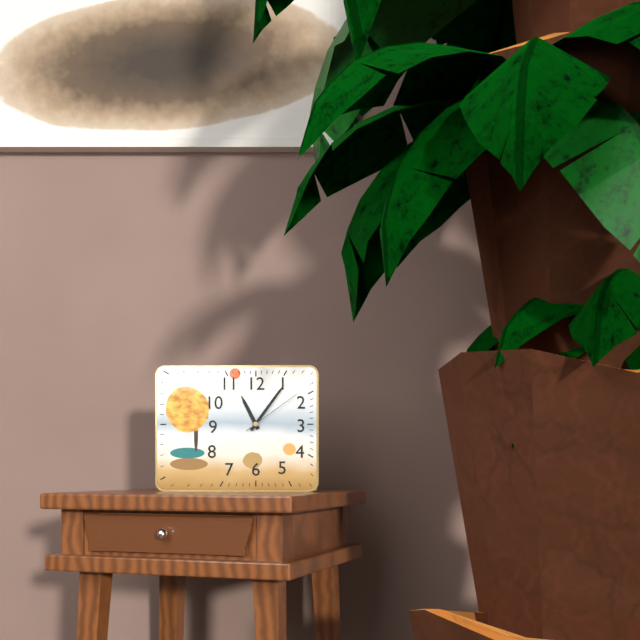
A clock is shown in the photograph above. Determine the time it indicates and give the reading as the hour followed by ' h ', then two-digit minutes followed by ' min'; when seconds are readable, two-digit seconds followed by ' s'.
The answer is 11 h 06 min 09 s
